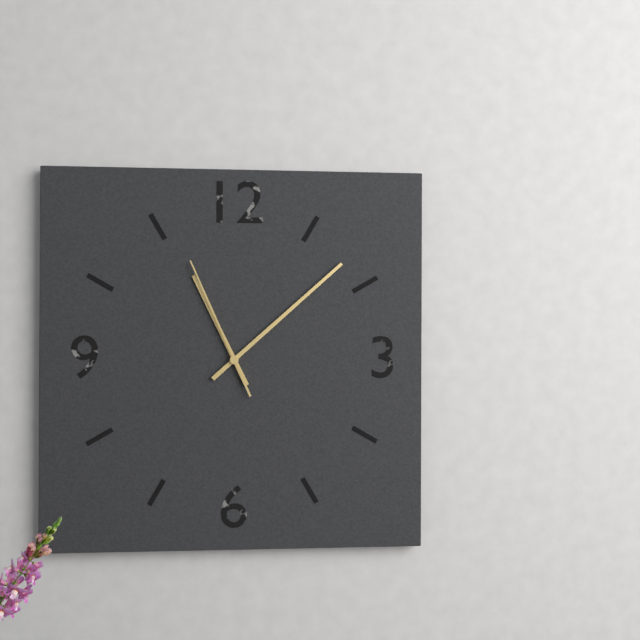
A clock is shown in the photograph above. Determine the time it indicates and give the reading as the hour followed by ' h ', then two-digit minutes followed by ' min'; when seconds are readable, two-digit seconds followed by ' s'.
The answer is 11 h 08 min 56 s
